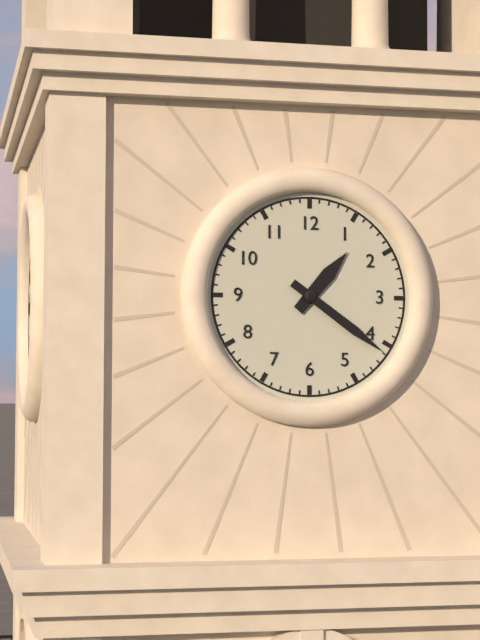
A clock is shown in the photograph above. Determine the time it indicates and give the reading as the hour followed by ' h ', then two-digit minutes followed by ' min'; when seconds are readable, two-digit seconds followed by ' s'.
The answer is 1 h 21 min
